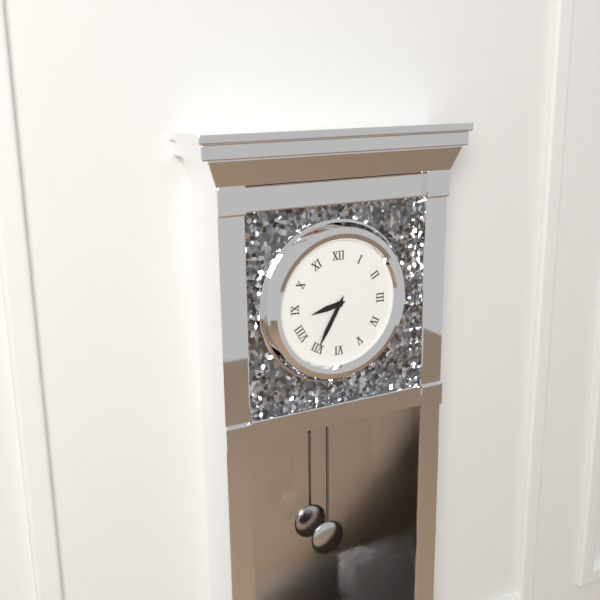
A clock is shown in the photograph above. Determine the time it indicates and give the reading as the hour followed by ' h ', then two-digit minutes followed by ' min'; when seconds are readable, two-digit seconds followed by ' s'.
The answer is 8 h 35 min
